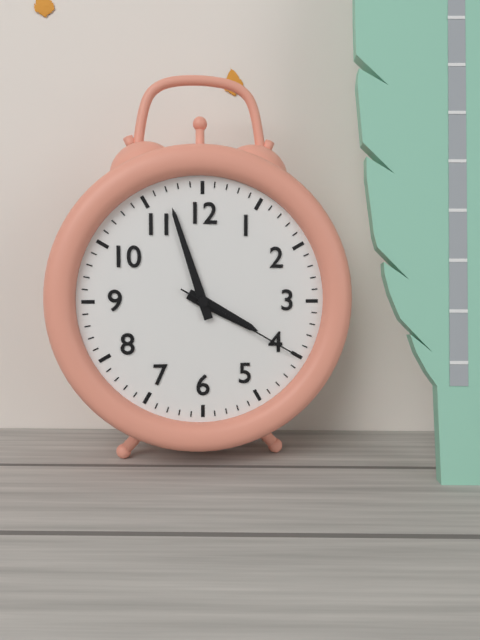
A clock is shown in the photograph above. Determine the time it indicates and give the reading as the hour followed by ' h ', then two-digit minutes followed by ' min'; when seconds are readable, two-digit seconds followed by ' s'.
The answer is 3 h 57 min 20 s
